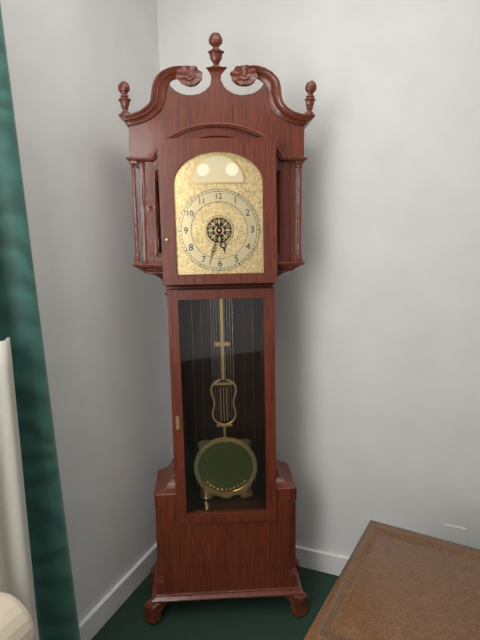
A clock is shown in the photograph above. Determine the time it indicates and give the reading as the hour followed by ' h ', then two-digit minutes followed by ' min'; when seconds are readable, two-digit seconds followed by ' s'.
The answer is 5 h 33 min
